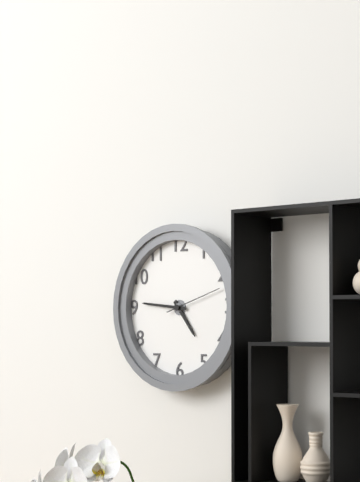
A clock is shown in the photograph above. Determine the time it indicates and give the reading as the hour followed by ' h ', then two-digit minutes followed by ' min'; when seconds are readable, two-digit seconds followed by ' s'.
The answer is 4 h 46 min 12 s
